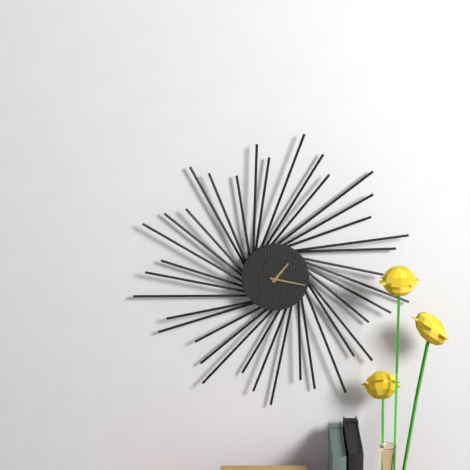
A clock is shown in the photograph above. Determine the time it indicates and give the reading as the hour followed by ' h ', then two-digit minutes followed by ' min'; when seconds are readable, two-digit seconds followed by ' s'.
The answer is 1 h 17 min
